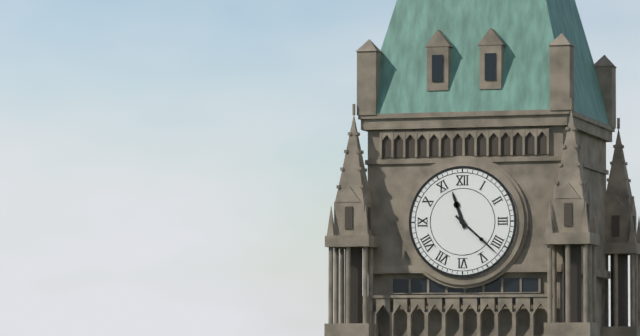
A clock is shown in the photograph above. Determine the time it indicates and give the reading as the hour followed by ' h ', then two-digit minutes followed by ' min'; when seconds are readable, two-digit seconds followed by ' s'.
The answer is 11 h 22 min
